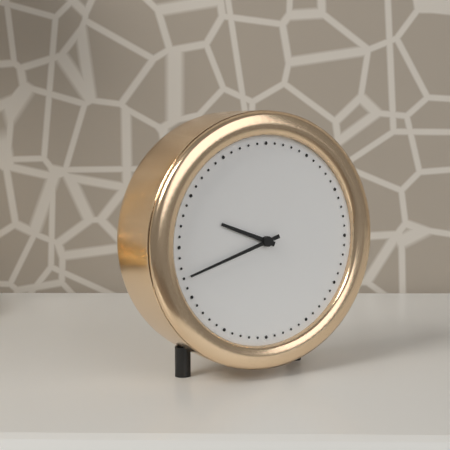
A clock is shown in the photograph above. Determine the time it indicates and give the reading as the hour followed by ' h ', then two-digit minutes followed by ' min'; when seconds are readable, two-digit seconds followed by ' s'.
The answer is 9 h 42 min
